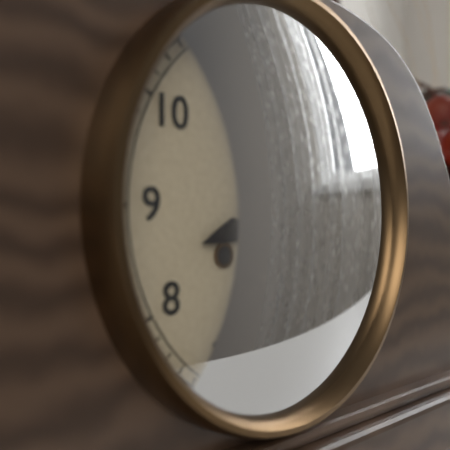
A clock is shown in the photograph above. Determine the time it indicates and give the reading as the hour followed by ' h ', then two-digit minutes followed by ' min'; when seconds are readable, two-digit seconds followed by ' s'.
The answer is 8 h 26 min
